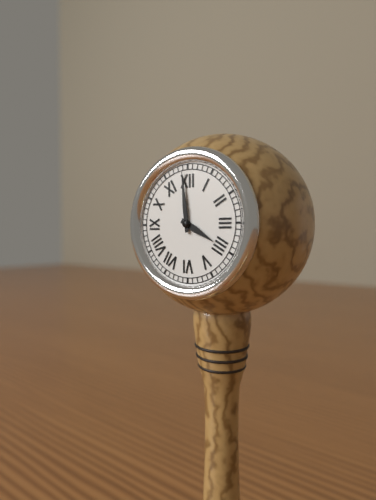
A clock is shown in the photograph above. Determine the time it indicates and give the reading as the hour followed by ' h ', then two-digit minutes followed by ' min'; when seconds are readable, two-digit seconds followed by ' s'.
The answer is 3 h 59 min
